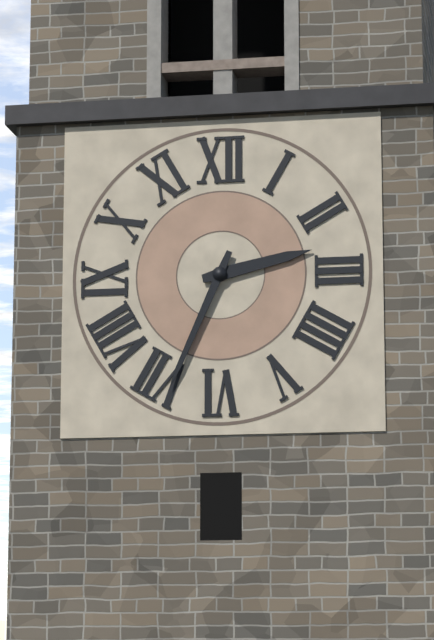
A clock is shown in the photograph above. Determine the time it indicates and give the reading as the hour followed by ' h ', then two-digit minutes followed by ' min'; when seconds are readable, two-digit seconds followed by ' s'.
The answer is 2 h 34 min
